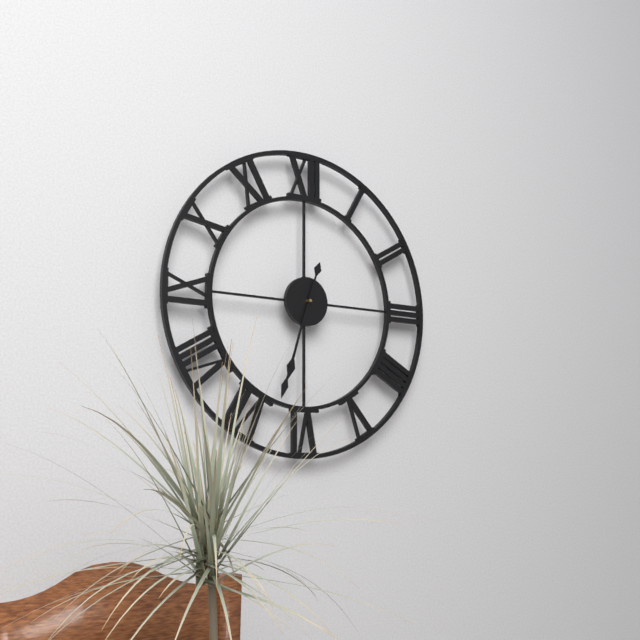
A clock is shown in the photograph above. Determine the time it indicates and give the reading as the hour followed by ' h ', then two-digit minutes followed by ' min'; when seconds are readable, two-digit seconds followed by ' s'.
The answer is 6 h 33 min
